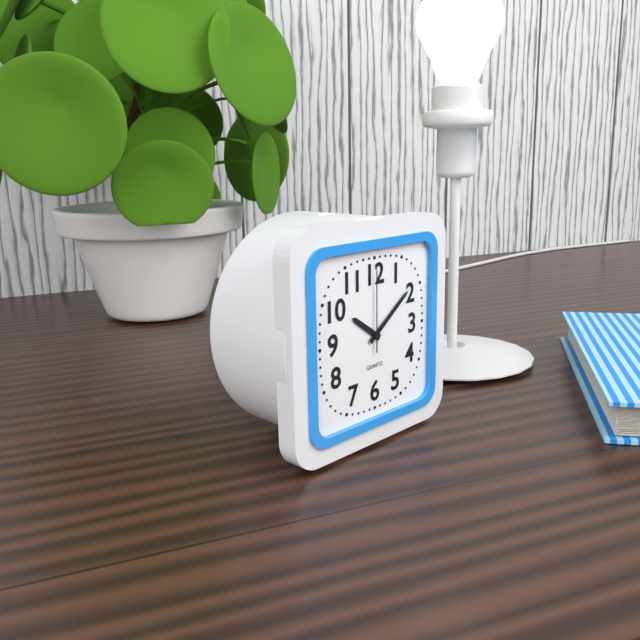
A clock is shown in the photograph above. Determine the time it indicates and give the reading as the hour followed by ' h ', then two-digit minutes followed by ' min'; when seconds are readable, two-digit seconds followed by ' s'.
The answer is 10 h 09 min 00 s
